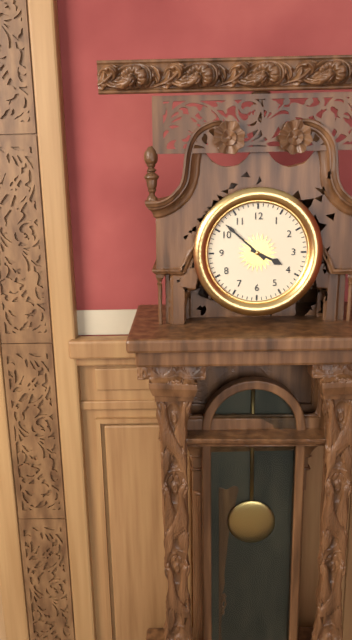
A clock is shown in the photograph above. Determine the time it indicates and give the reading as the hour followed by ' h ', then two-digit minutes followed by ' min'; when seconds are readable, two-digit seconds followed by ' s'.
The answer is 3 h 52 min
